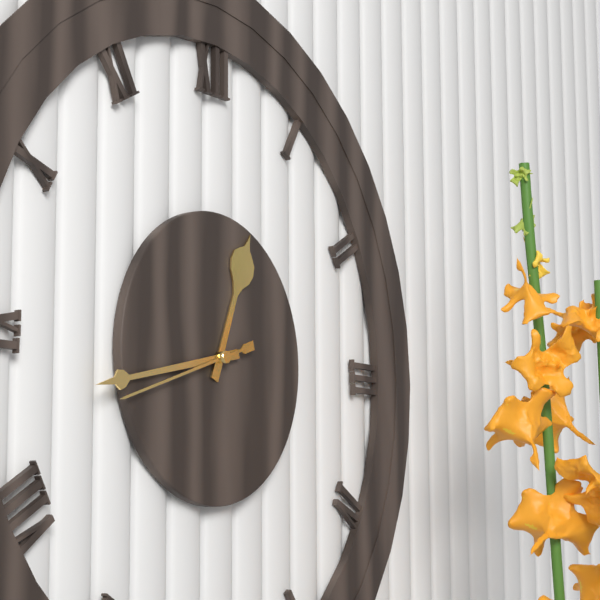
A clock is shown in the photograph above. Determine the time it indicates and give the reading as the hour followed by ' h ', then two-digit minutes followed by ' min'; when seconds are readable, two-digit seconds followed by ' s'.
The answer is 12 h 43 min 42 s
